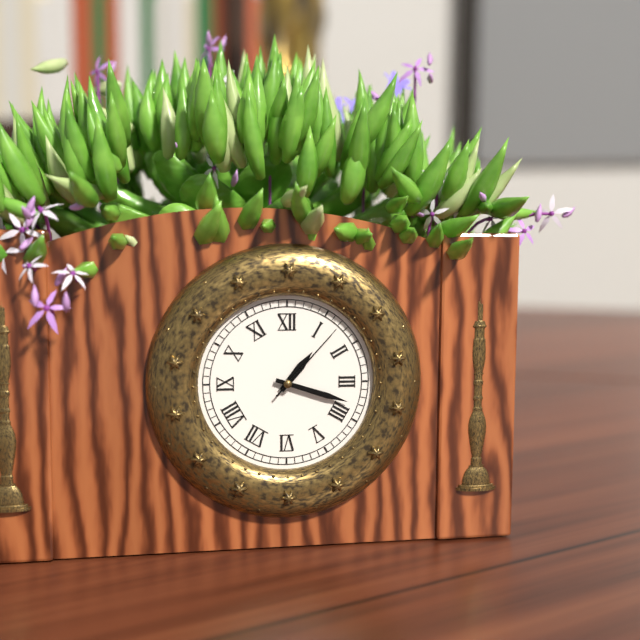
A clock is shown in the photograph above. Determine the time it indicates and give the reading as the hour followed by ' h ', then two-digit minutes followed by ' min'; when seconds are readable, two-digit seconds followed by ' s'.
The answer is 1 h 18 min 07 s
